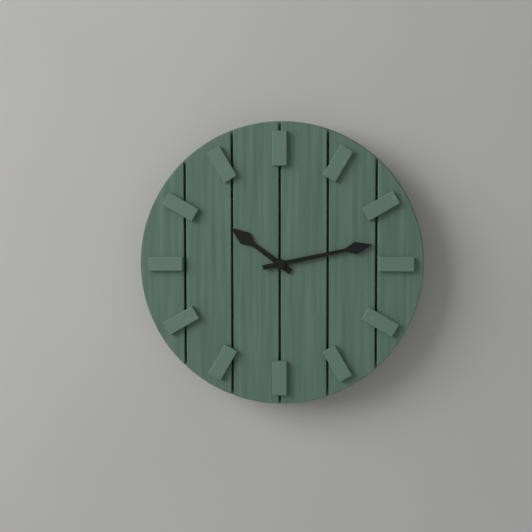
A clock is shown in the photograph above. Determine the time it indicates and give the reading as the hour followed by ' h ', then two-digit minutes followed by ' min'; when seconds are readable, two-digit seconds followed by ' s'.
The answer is 10 h 13 min
